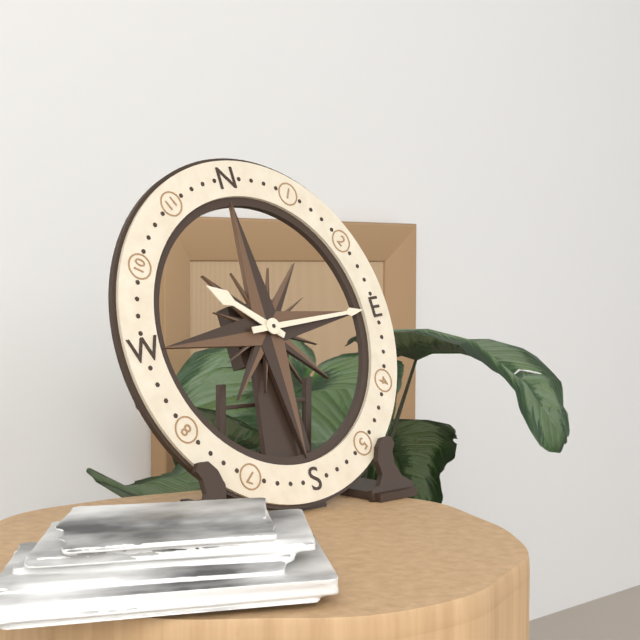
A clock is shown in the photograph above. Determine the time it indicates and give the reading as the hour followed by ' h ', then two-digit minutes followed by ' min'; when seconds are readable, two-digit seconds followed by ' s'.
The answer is 10 h 15 min
